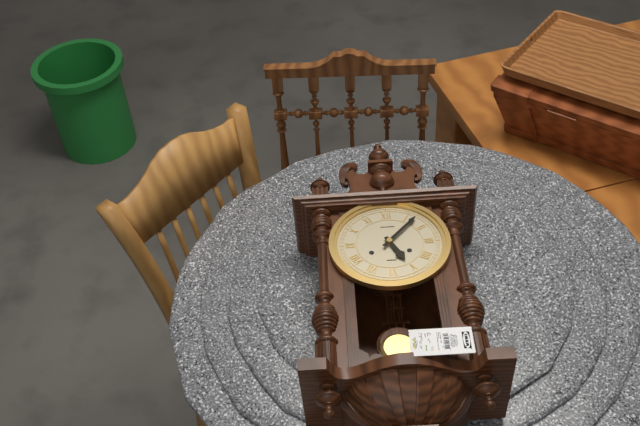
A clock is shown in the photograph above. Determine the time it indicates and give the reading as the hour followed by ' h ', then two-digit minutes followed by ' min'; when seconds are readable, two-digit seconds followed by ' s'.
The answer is 5 h 07 min
